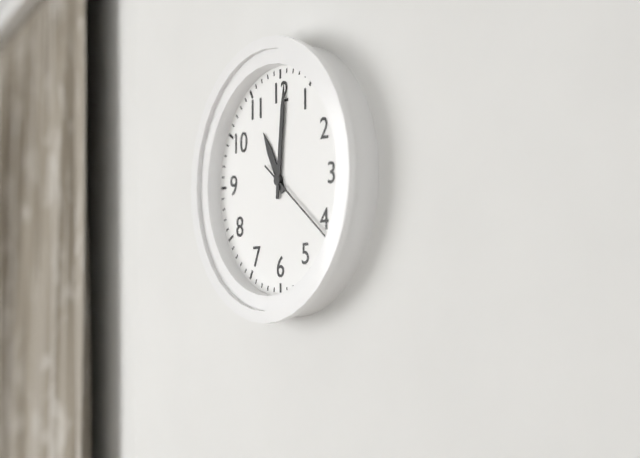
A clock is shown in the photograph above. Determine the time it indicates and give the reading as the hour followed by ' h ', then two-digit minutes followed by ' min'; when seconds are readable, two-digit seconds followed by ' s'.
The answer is 11 h 01 min 21 s
